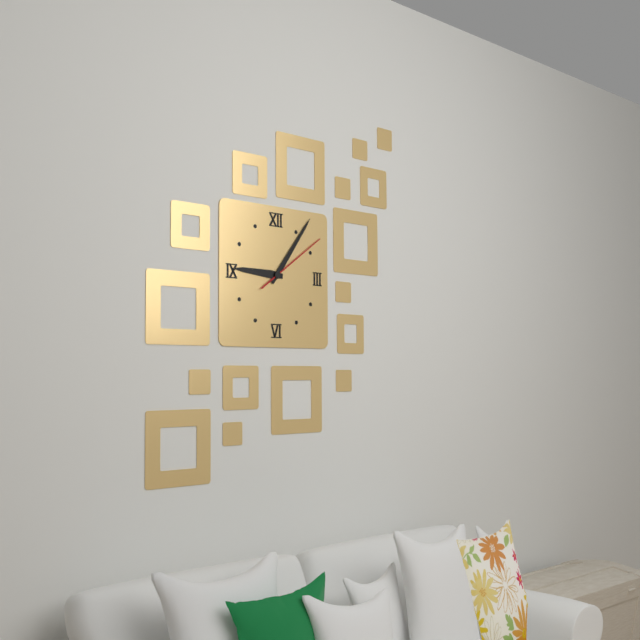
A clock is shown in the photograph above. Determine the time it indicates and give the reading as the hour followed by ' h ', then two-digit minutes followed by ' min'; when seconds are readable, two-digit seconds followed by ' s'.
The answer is 9 h 06 min 09 s
